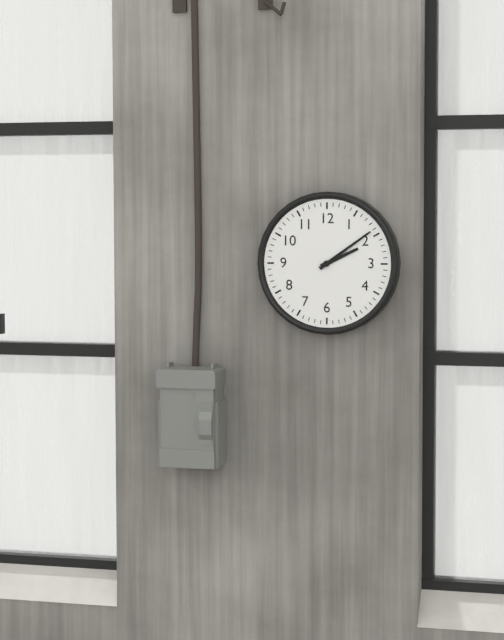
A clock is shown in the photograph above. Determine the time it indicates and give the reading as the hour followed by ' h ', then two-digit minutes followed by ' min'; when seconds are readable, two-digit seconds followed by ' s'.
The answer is 2 h 09 min
